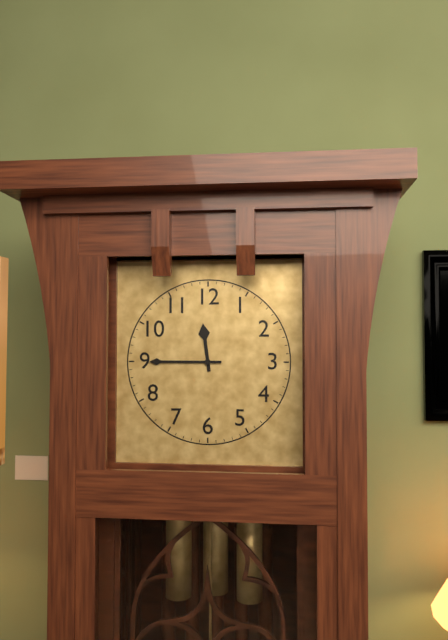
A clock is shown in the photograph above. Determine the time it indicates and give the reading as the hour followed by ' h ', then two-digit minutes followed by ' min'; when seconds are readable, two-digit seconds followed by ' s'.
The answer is 11 h 45 min
